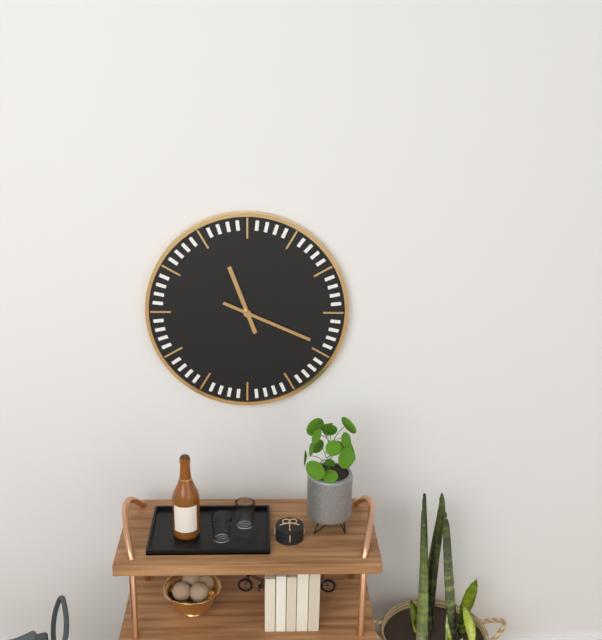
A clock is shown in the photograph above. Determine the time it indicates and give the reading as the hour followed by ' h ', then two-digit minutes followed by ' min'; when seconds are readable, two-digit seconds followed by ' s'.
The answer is 11 h 19 min
